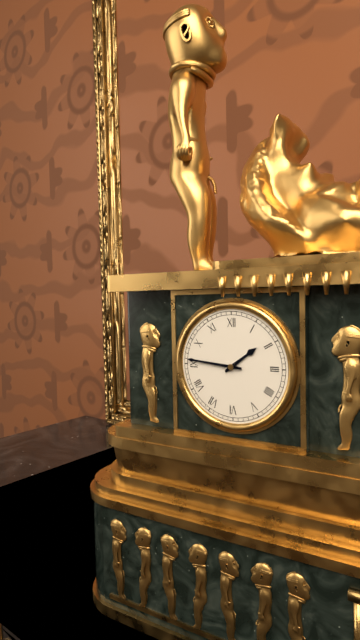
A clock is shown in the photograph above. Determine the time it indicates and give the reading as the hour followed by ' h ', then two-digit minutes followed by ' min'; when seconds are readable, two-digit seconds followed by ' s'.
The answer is 1 h 46 min
